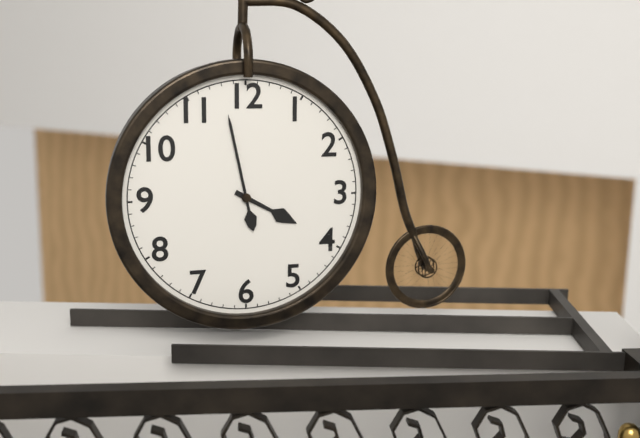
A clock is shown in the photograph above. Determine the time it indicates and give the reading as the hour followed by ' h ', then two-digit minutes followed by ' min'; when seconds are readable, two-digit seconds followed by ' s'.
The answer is 3 h 58 min
